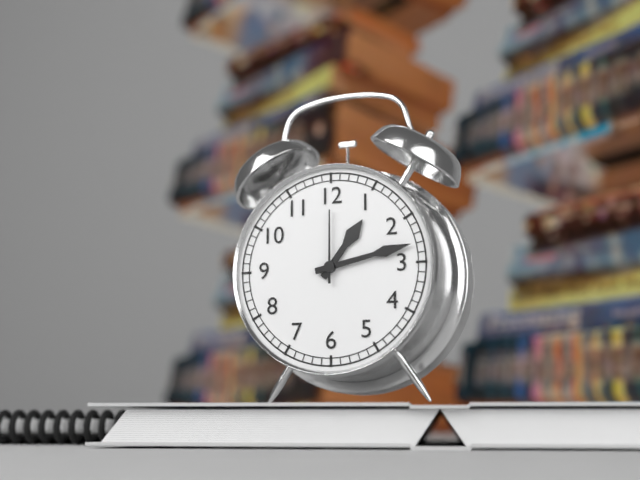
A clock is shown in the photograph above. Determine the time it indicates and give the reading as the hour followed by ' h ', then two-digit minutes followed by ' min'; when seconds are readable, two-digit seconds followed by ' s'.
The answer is 1 h 13 min 00 s
